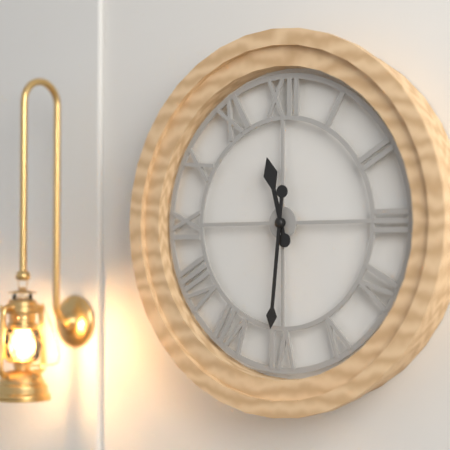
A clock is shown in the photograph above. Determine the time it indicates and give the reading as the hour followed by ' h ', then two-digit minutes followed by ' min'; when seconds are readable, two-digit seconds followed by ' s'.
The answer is 11 h 31 min
